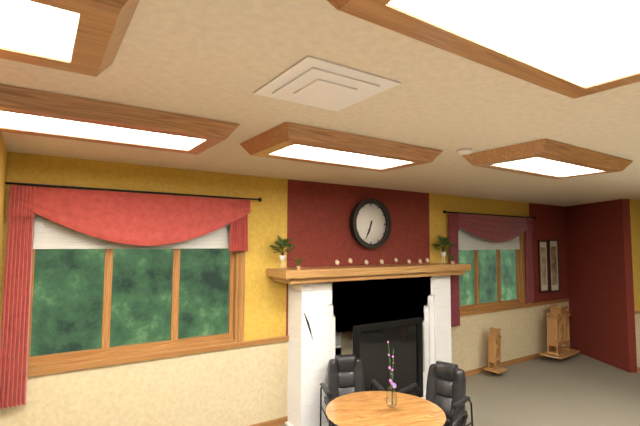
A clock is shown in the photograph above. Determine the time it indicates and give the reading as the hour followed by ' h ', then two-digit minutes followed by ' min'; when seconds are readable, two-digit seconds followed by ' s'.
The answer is 6 h 34 min
